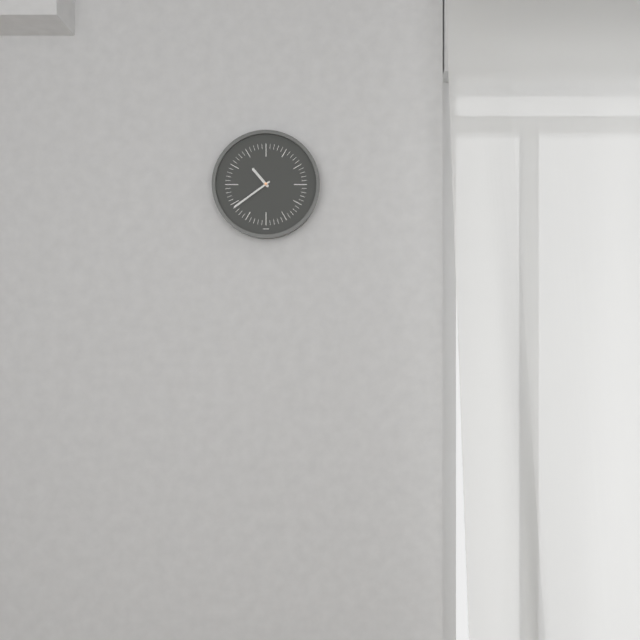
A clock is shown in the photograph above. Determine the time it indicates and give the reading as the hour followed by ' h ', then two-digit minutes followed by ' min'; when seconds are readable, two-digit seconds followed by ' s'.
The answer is 10 h 39 min
